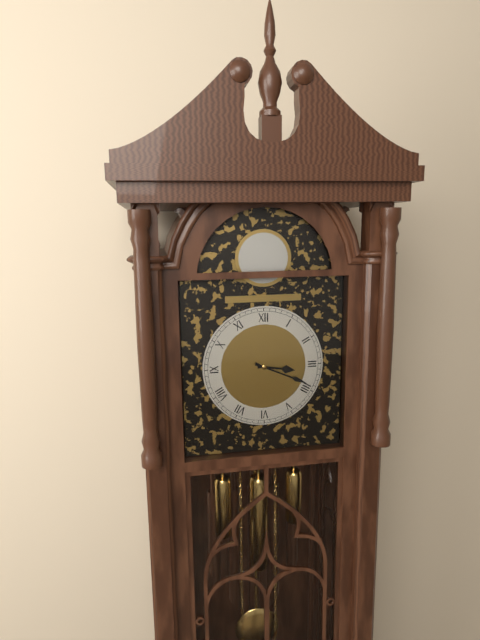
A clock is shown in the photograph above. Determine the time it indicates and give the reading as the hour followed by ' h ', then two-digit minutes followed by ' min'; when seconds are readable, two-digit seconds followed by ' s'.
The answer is 3 h 19 min
